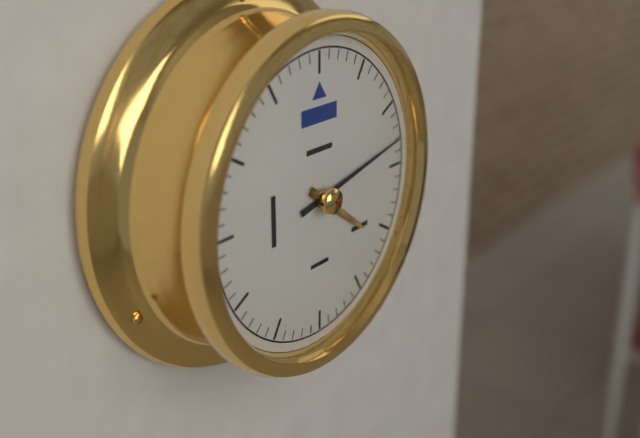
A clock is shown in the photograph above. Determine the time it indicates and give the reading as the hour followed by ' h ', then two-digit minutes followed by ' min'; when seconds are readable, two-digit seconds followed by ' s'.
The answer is 4 h 13 min
